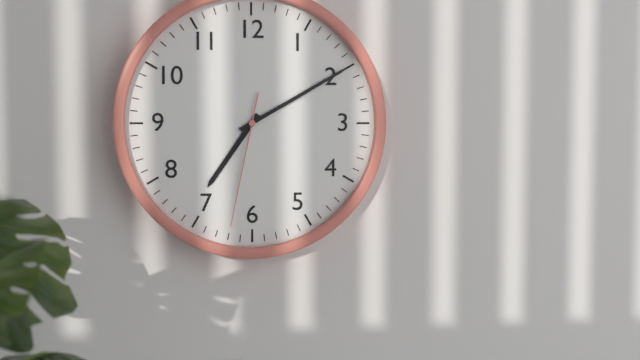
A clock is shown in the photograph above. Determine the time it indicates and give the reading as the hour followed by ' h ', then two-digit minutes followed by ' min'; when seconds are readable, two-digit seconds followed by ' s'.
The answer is 7 h 10 min 32 s
